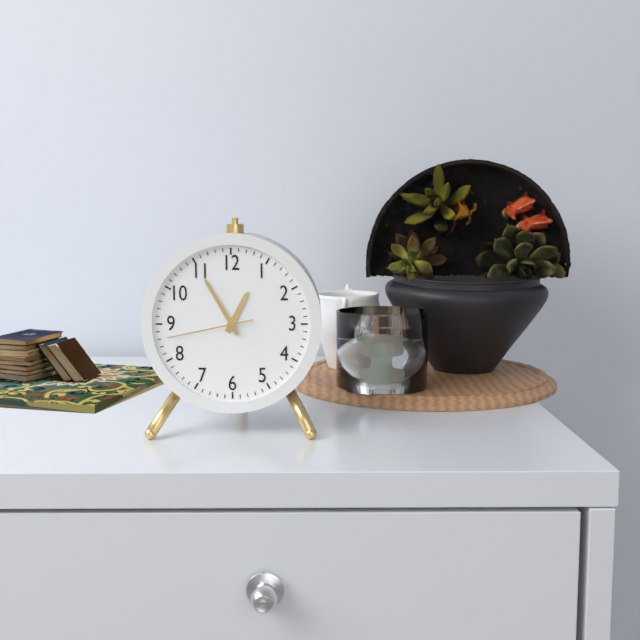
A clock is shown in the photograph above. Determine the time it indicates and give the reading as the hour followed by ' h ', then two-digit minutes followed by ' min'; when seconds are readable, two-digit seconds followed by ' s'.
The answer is 12 h 55 min 43 s
